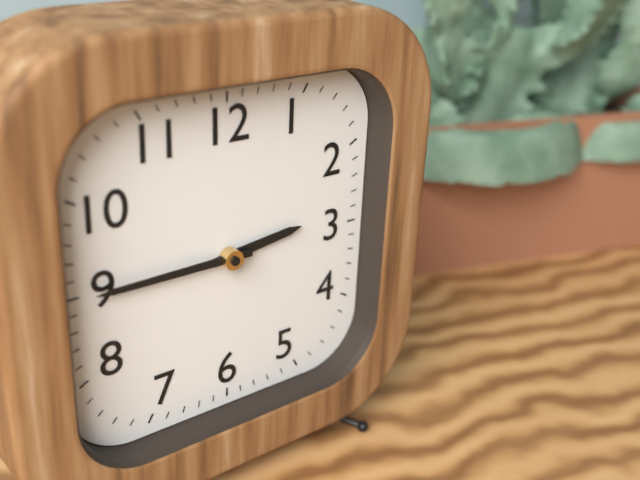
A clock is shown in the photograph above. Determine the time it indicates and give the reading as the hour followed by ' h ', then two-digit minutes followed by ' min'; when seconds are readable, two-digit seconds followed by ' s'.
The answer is 2 h 45 min
